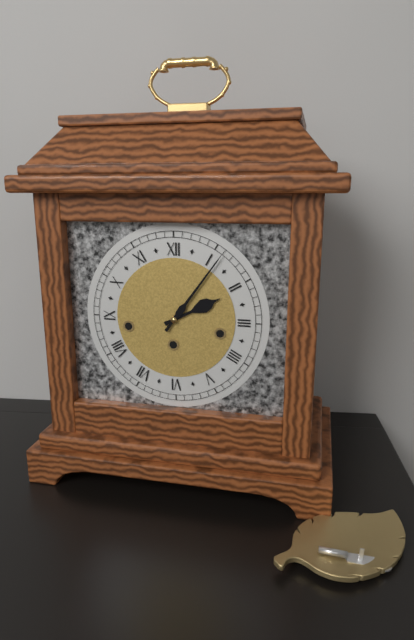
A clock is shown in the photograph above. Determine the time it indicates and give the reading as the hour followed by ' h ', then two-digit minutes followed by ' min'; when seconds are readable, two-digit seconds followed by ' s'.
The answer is 2 h 06 min
